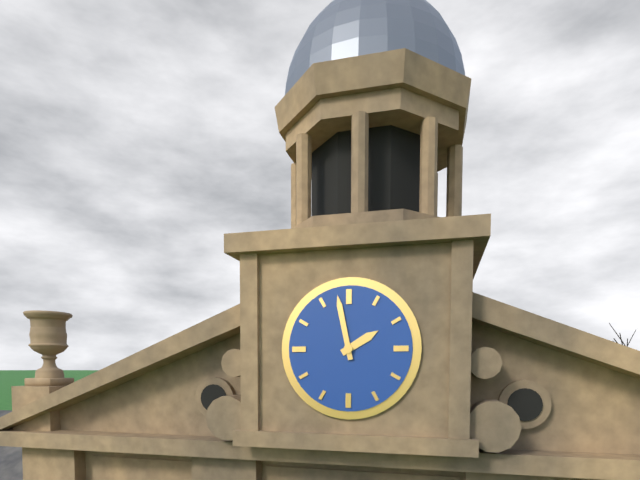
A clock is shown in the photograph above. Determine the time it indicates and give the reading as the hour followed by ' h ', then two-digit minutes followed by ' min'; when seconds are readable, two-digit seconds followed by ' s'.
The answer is 1 h 58 min
